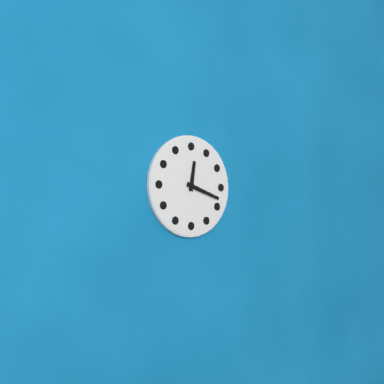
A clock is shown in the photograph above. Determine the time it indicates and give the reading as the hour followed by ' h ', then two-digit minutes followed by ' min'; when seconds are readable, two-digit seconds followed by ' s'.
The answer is 12 h 18 min
